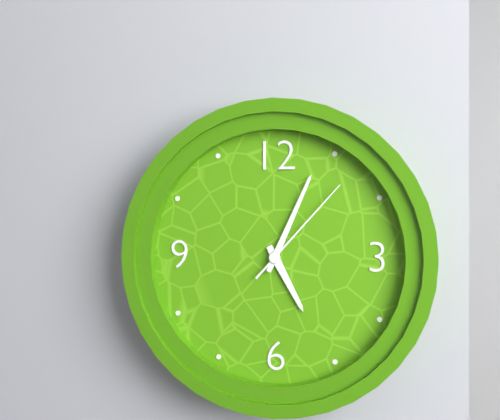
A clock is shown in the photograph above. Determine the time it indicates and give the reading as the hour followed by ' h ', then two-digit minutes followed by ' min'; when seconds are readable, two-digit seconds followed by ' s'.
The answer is 5 h 04 min 07 s
